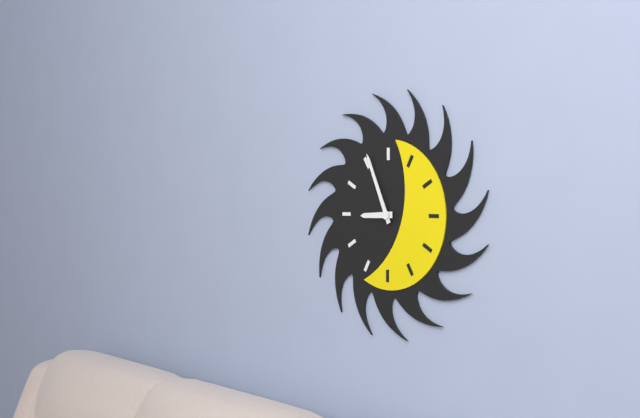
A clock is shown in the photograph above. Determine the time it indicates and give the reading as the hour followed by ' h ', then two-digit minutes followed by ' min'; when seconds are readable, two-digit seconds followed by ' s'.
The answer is 8 h 56 min
